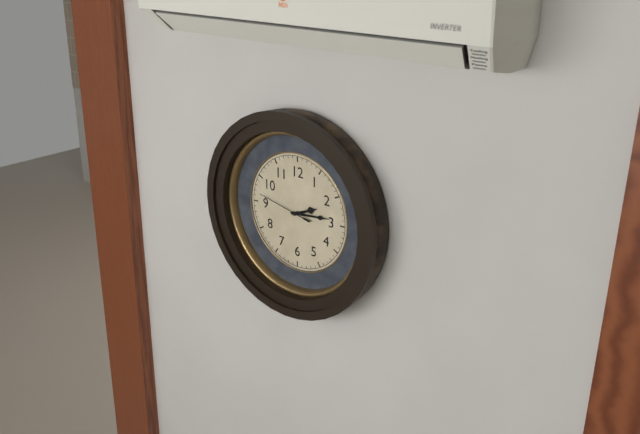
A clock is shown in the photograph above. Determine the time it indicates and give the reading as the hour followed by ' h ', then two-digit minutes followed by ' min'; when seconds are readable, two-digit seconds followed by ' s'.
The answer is 2 h 14 min 47 s
